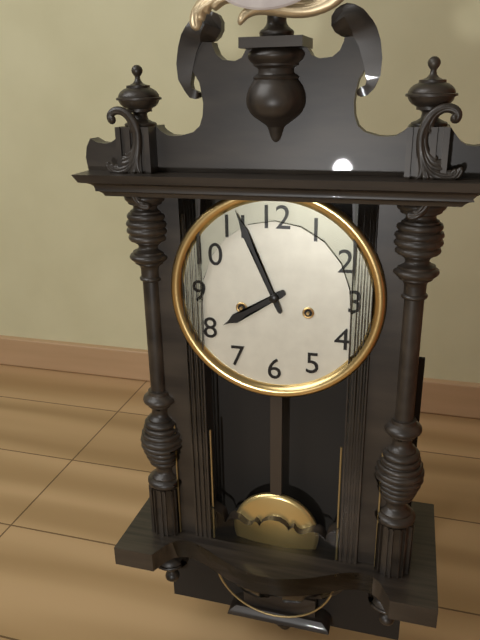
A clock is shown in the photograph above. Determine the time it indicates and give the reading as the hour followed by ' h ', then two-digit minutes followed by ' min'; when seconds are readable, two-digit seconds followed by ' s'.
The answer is 7 h 56 min
